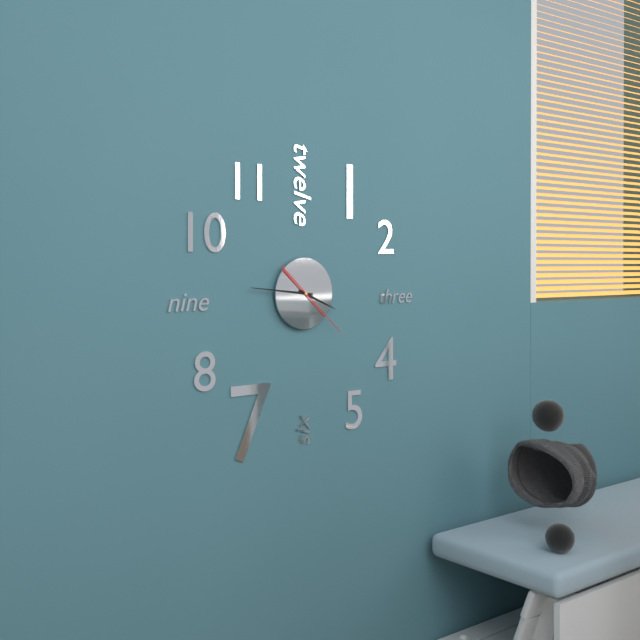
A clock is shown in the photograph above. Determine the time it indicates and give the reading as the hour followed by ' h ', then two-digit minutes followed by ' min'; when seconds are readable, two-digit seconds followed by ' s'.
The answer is 3 h 46 min 22 s
